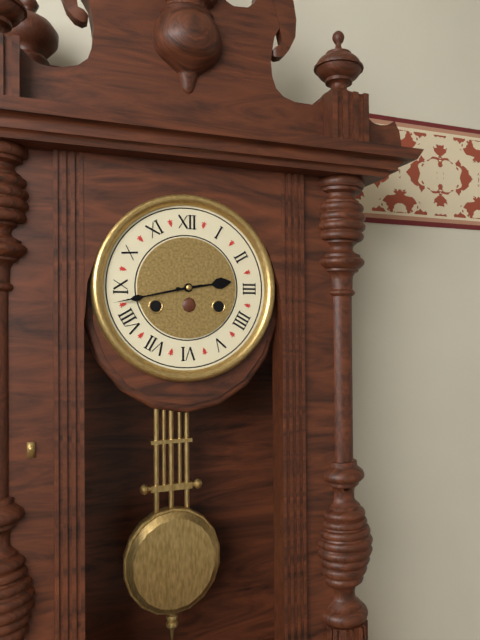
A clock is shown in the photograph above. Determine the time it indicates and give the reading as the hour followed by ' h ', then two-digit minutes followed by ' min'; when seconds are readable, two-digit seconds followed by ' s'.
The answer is 2 h 43 min
